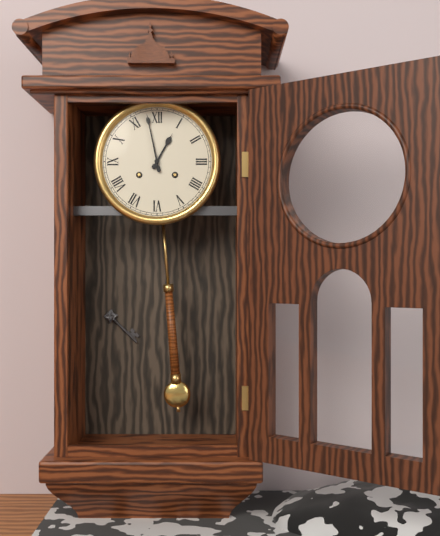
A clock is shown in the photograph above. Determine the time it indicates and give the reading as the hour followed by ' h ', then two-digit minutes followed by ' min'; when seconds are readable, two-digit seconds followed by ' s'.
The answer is 12 h 58 min
